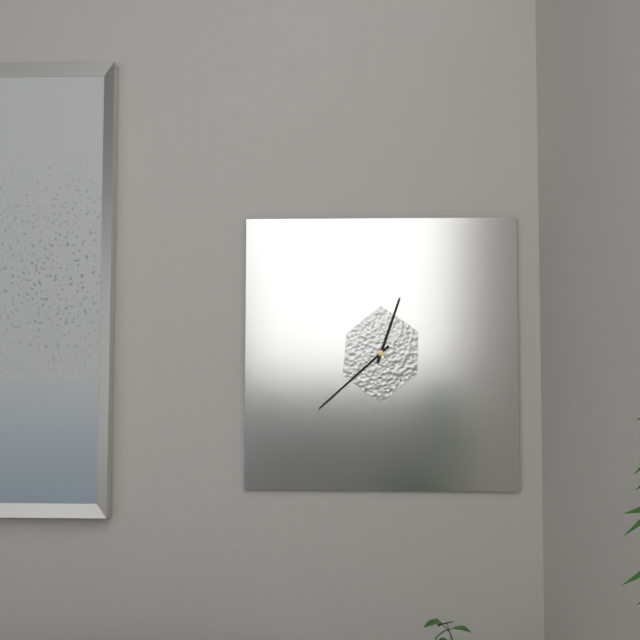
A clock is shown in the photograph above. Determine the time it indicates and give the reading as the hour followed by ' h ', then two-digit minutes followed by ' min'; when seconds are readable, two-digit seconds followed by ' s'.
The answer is 12 h 38 min
